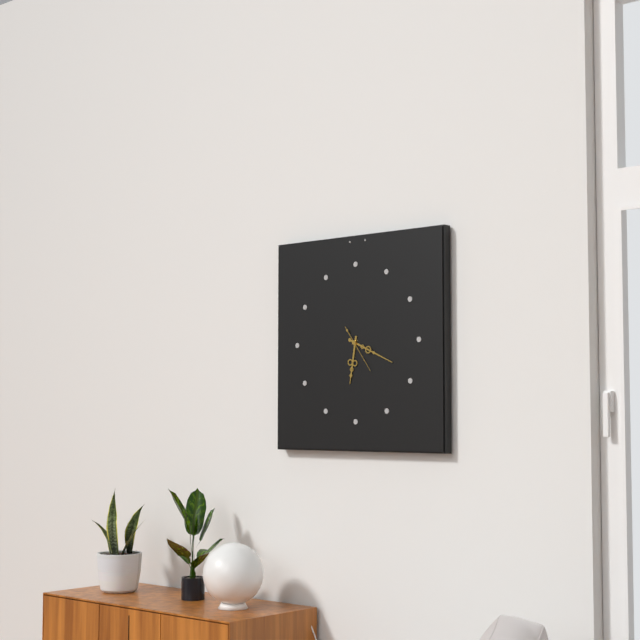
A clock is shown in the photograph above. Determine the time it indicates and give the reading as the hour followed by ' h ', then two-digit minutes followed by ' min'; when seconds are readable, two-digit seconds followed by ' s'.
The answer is 6 h 19 min
